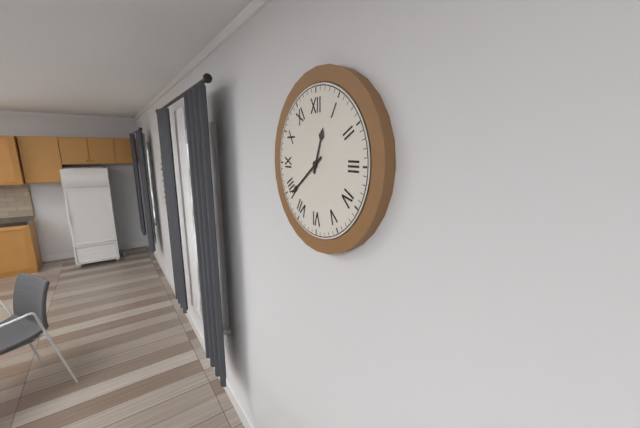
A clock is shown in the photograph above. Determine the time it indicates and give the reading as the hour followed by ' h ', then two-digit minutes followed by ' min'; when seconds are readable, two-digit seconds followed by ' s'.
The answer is 12 h 39 min
